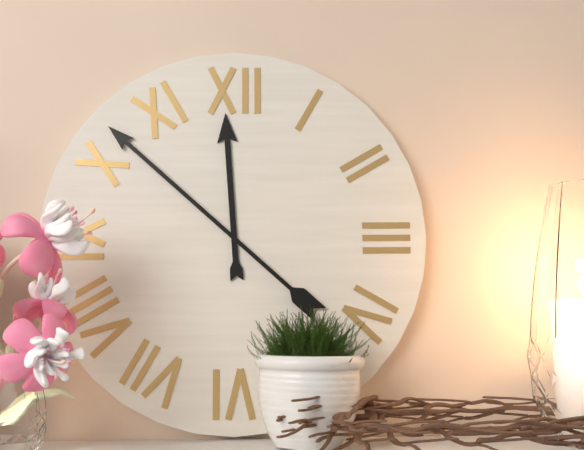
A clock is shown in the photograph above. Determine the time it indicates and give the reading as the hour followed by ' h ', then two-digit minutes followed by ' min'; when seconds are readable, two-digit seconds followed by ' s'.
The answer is 11 h 52 min
